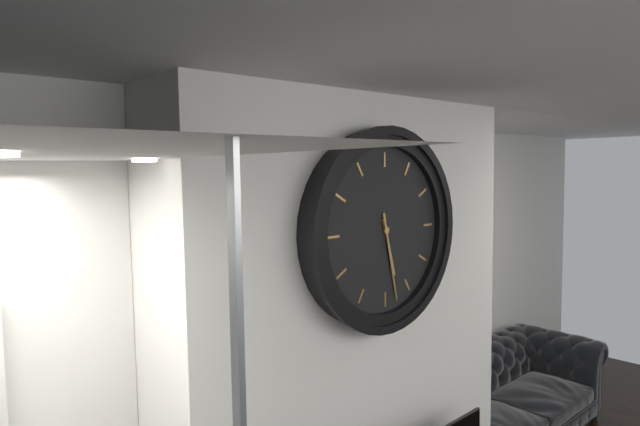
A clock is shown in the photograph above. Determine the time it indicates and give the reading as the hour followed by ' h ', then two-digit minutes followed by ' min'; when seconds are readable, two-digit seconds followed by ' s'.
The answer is 5 h 28 min
